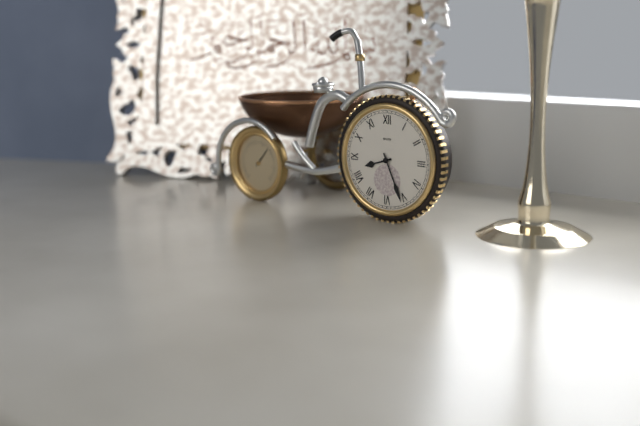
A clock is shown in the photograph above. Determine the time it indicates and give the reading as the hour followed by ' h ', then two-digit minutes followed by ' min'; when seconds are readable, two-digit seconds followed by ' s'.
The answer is 8 h 26 min
